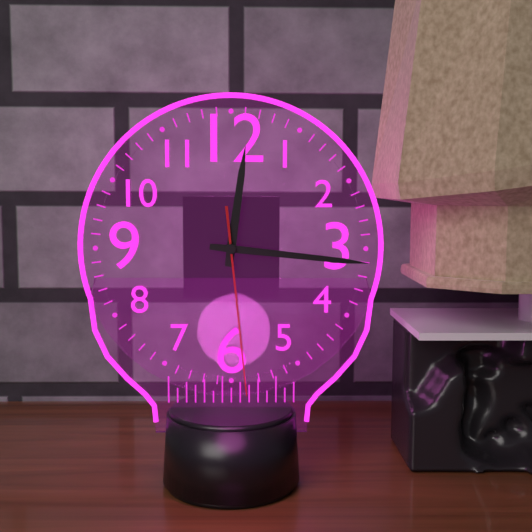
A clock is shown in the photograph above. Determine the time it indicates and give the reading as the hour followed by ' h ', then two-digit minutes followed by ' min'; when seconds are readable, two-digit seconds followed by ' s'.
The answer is 12 h 16 min 29 s
